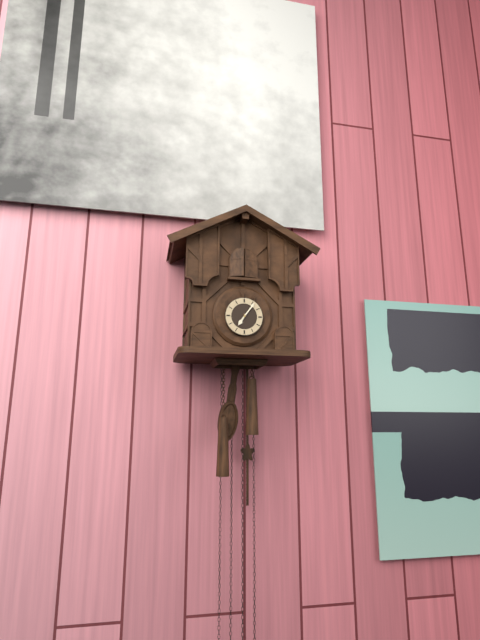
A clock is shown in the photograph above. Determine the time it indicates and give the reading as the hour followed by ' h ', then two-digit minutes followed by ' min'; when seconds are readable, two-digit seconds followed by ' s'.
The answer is 7 h 06 min
